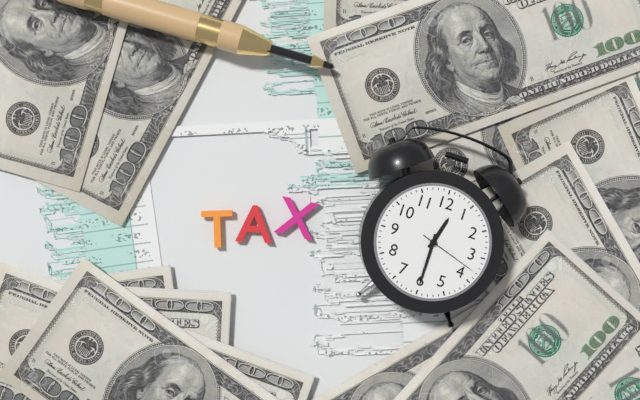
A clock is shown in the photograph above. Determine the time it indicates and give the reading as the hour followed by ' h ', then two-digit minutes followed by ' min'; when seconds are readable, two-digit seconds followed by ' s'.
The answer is 12 h 30 min 18 s
